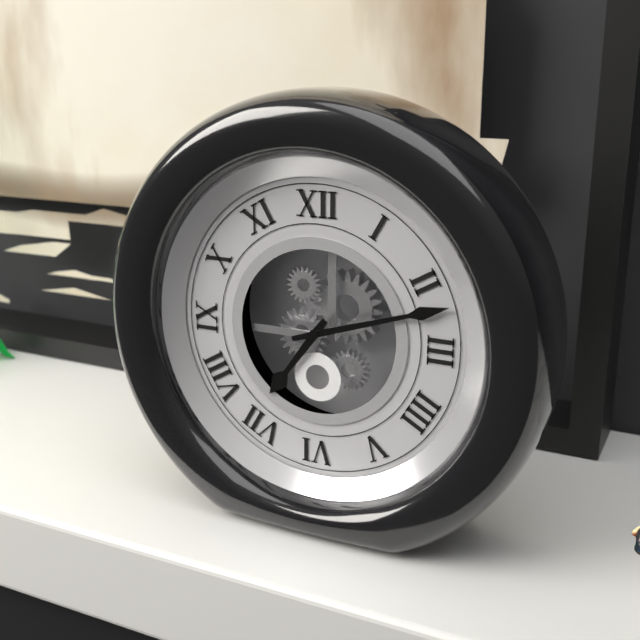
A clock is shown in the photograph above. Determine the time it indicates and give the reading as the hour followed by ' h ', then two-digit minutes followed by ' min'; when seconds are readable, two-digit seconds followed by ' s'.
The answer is 7 h 12 min
